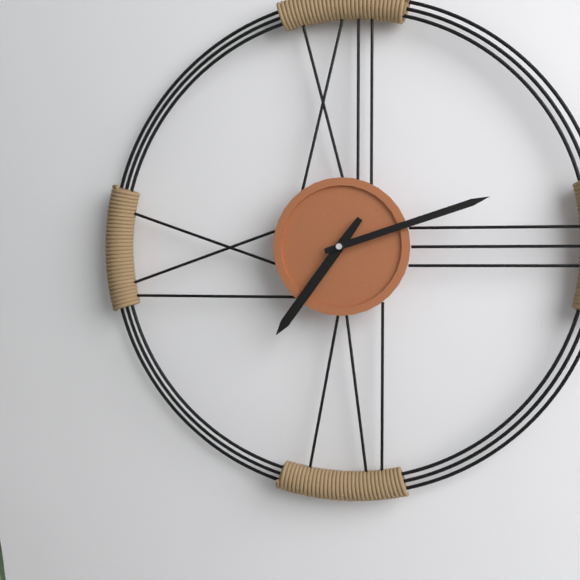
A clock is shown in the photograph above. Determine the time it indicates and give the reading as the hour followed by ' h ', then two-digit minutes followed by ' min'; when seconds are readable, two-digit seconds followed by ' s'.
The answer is 7 h 12 min
